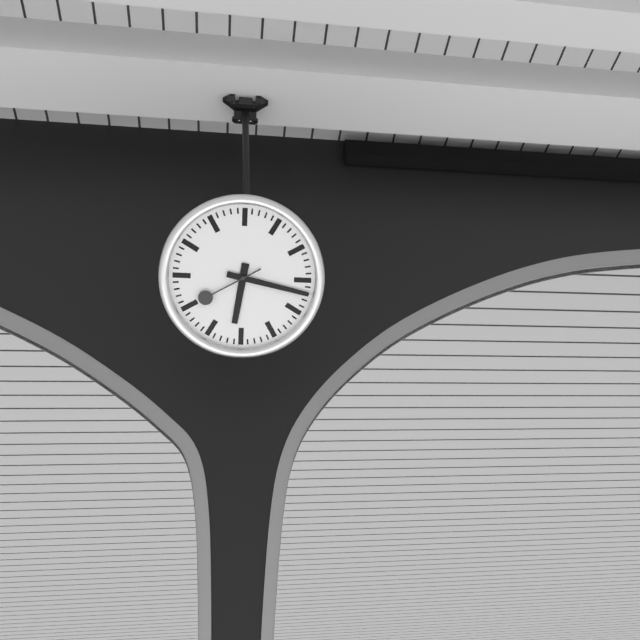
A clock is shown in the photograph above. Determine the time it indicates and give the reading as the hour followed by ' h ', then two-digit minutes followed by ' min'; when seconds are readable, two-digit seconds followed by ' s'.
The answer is 6 h 17 min 40 s
